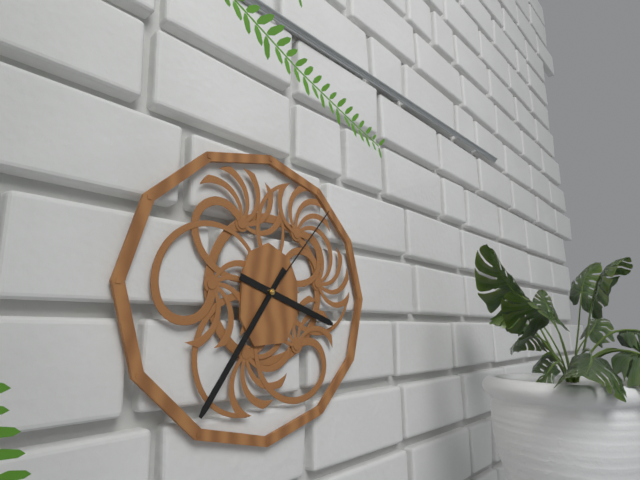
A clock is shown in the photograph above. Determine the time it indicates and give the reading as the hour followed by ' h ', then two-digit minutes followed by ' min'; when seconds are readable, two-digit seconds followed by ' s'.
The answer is 3 h 36 min 07 s
